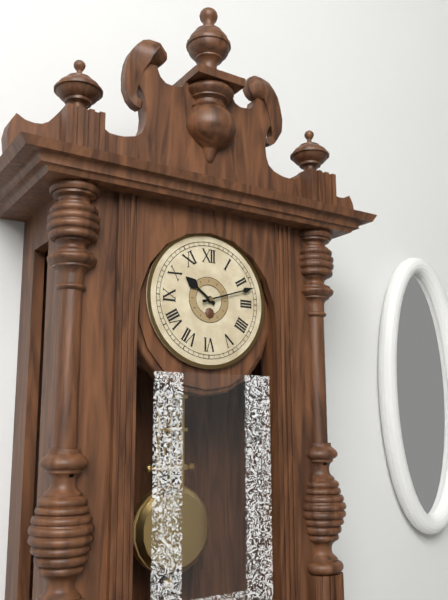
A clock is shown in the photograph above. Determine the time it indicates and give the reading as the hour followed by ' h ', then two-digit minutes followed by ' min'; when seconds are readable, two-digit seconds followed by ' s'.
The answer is 10 h 12 min
